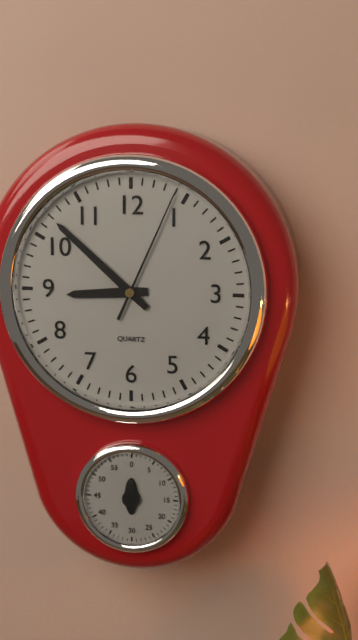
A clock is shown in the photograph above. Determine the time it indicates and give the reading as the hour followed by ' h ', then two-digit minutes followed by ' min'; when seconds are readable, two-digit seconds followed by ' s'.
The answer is 8 h 52 min 04 s
